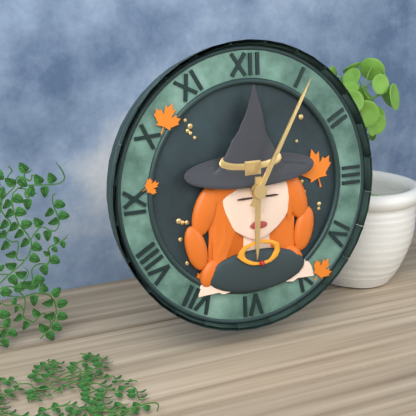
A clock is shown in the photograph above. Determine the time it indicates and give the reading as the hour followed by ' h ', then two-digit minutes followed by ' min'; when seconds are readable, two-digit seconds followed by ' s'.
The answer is 6 h 05 min
